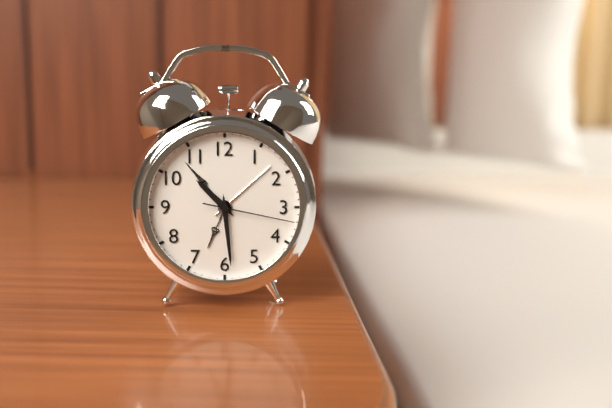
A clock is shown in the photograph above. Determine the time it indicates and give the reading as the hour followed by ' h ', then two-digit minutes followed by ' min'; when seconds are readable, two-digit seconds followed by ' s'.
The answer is 10 h 29 min 17 s
